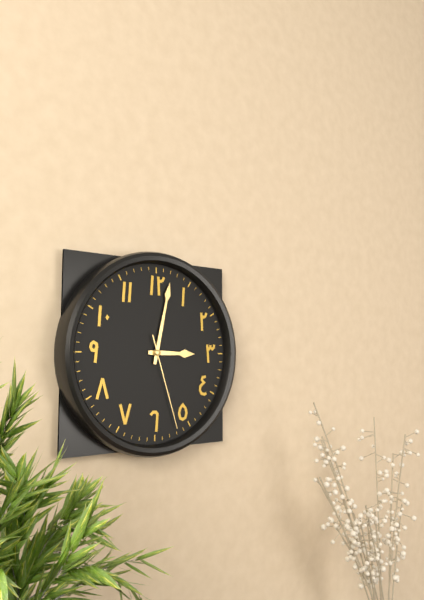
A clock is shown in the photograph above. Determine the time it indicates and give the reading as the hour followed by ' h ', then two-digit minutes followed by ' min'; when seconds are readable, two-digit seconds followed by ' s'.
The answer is 3 h 02 min 27 s
